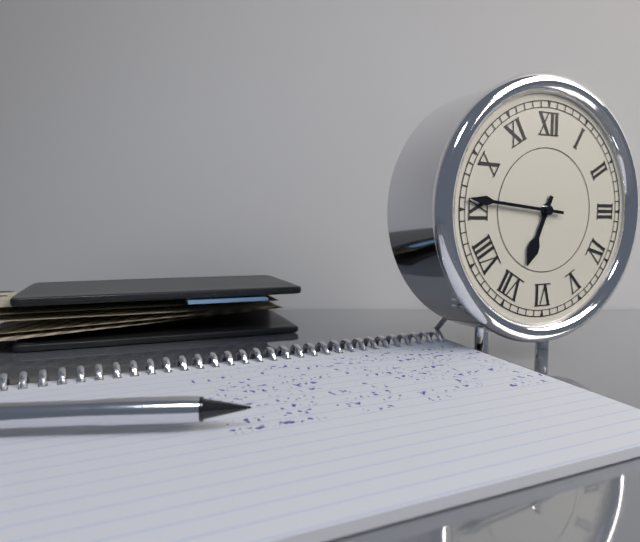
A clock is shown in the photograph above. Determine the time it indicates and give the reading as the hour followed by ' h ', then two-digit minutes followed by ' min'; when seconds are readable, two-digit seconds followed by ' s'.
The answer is 6 h 46 min
